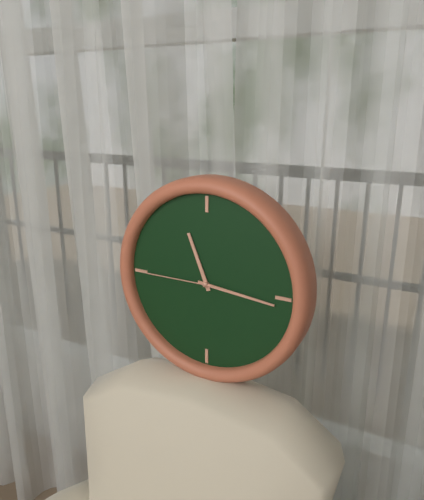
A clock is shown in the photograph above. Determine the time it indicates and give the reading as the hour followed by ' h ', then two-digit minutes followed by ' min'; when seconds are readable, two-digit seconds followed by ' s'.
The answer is 11 h 16 min 45 s
